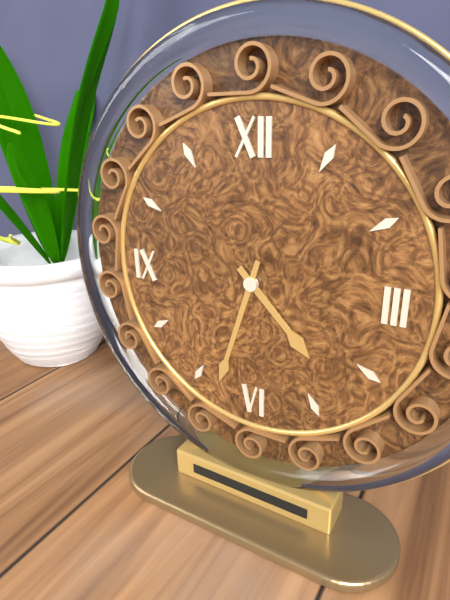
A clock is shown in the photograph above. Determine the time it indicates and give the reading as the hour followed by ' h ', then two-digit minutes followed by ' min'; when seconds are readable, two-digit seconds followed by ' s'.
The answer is 4 h 33 min
